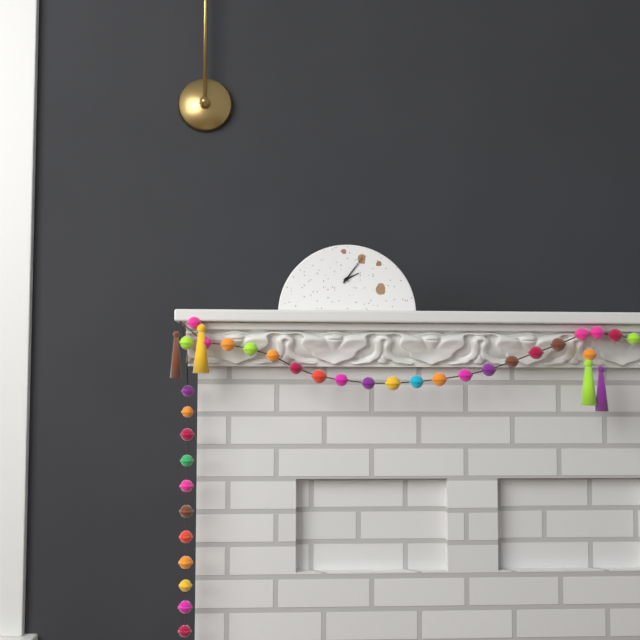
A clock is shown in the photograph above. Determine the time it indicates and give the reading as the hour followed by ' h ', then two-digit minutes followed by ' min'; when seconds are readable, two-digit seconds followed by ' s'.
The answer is 2 h 06 min
